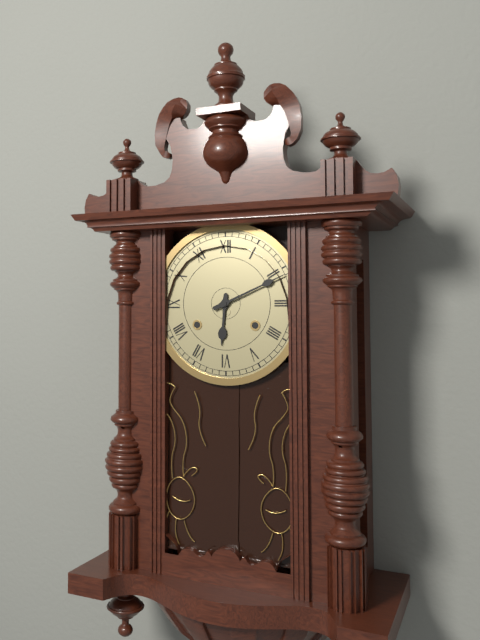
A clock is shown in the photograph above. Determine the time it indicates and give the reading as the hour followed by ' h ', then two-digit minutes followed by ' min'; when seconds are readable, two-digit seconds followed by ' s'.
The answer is 6 h 11 min
